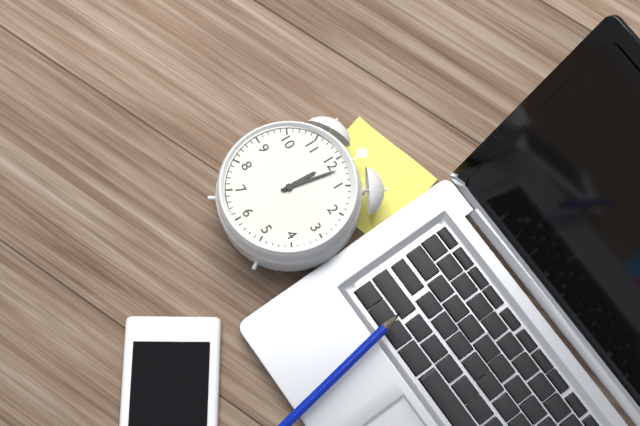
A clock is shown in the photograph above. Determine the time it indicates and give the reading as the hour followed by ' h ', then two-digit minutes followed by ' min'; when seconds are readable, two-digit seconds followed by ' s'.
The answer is 12 h 02 min
